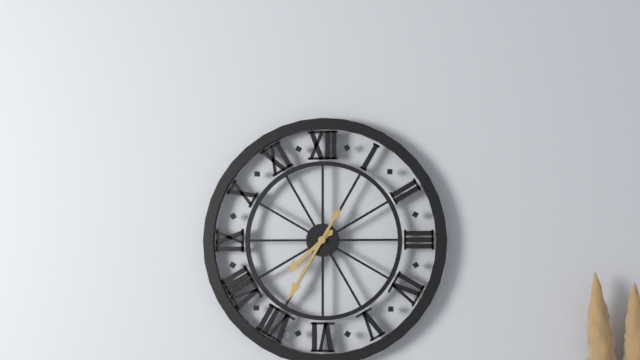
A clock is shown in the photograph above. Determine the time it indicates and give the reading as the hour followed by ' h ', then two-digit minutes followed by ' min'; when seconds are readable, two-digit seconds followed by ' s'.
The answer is 7 h 35 min
